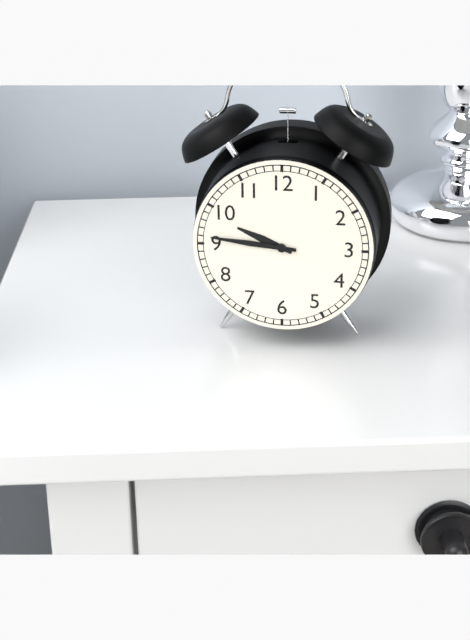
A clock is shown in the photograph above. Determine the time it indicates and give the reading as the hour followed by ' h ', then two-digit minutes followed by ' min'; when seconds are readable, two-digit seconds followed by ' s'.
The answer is 9 h 46 min
